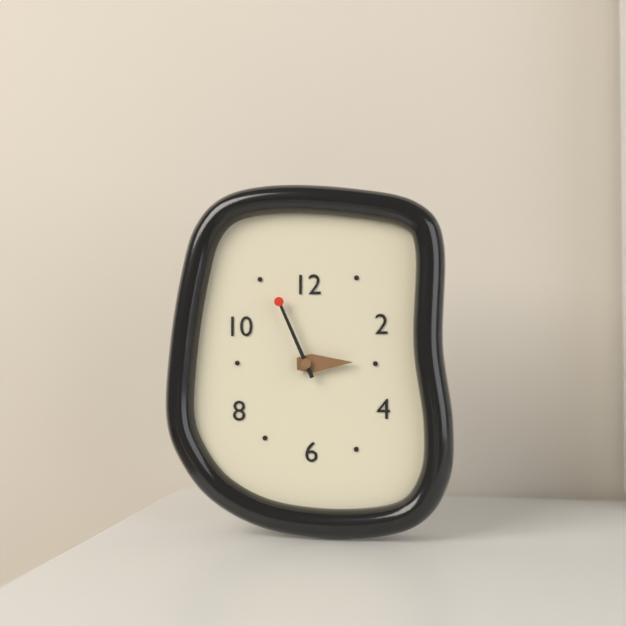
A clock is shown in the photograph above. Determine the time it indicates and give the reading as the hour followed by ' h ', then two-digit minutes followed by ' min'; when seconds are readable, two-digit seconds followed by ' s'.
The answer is 2 h 56 min
